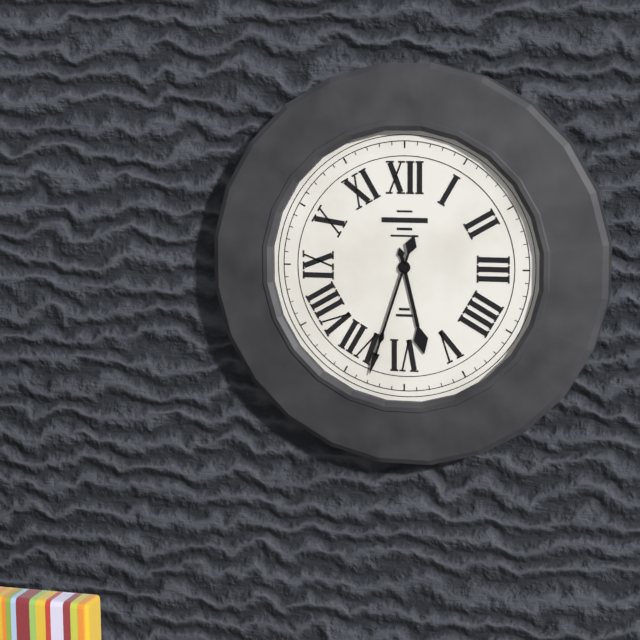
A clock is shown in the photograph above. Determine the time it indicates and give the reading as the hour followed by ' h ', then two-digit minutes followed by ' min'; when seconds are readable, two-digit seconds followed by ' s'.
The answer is 5 h 33 min
